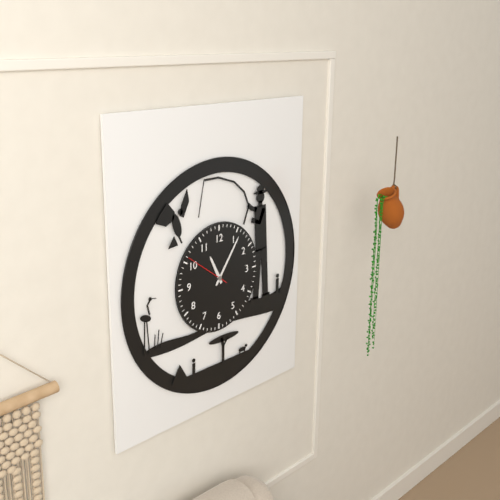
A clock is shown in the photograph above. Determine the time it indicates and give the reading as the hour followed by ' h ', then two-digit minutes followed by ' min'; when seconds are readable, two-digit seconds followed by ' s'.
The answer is 11 h 06 min
